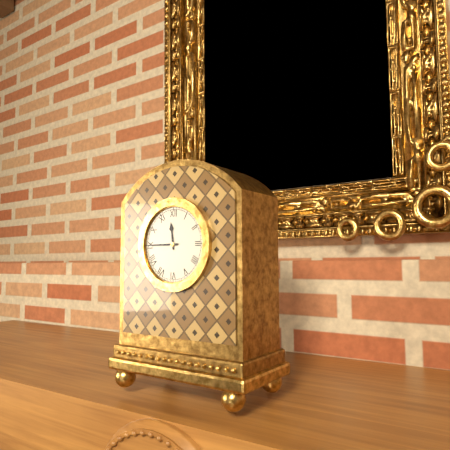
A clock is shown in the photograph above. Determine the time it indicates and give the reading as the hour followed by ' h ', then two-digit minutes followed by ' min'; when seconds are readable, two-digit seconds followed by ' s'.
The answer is 11 h 45 min
